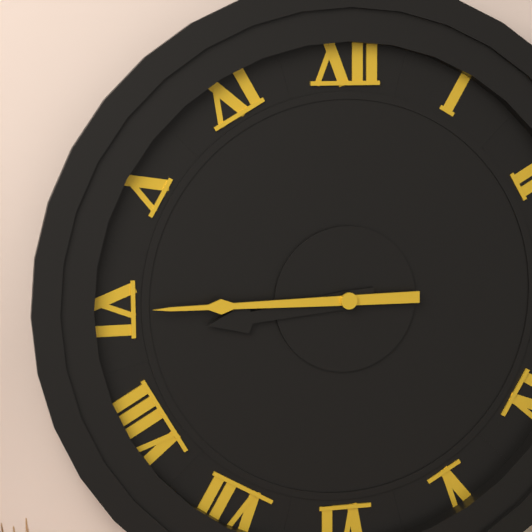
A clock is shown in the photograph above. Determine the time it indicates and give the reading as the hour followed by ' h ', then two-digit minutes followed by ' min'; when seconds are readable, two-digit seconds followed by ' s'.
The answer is 8 h 45 min
